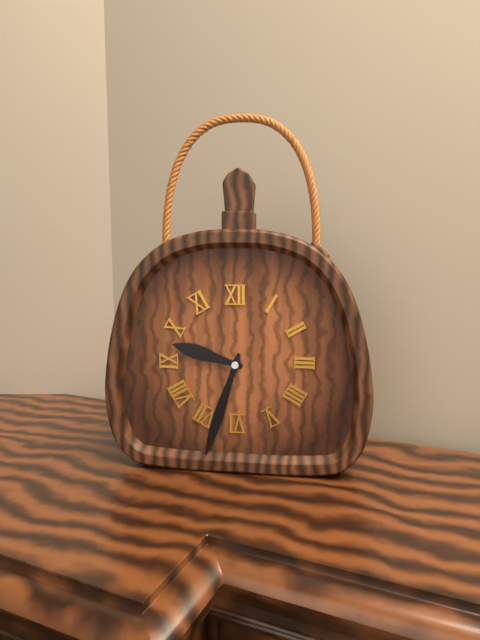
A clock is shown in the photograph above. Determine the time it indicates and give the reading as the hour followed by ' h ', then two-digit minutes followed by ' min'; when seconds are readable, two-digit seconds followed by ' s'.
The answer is 9 h 33 min
